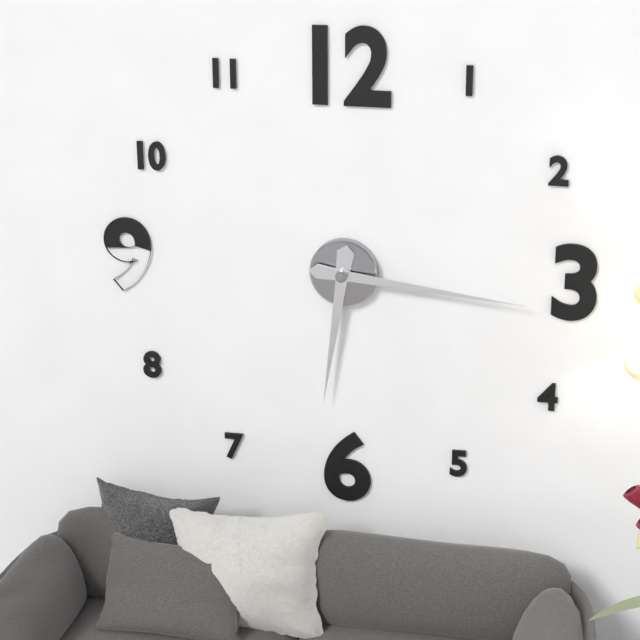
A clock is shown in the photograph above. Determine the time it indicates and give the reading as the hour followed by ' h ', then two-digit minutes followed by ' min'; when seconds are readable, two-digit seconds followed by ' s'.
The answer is 6 h 16 min
